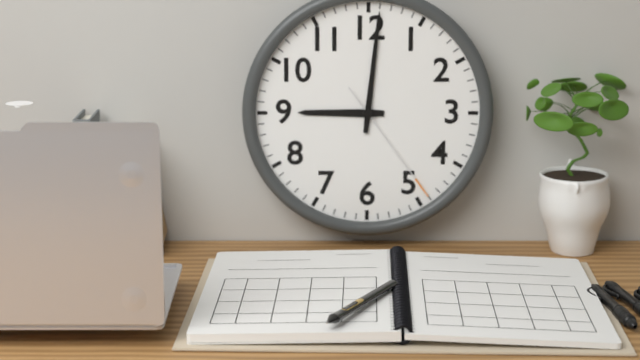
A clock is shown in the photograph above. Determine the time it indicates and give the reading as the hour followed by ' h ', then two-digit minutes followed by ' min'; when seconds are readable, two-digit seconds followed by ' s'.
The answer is 9 h 01 min 24 s
